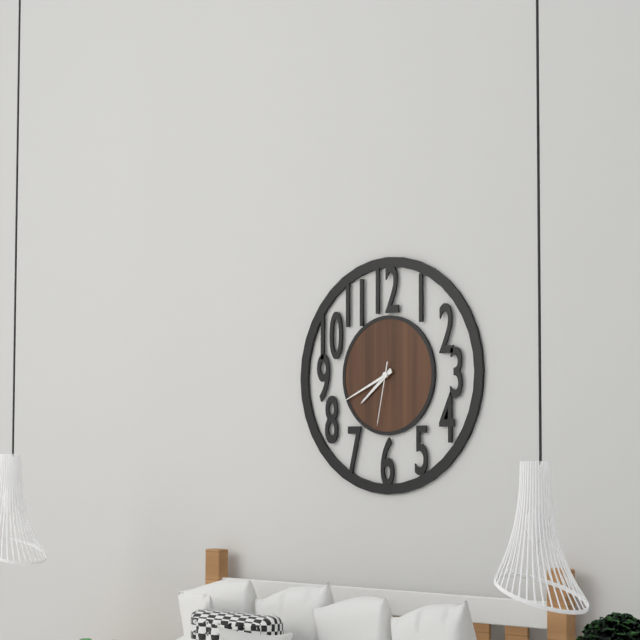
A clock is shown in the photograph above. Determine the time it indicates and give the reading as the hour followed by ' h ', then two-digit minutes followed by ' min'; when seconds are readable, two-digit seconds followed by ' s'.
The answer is 7 h 41 min 32 s
